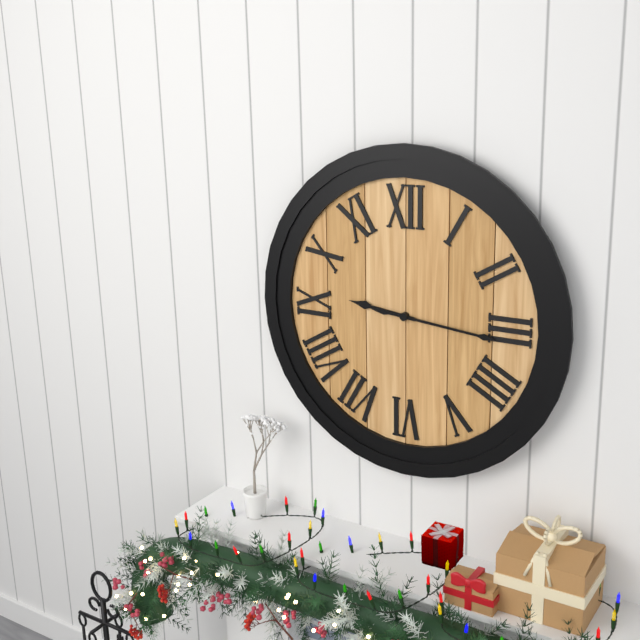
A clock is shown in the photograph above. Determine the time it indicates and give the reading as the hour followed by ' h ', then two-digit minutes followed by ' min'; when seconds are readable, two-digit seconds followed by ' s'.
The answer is 9 h 16 min
